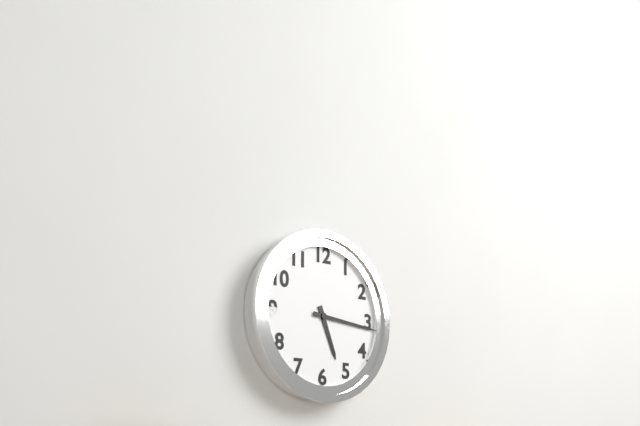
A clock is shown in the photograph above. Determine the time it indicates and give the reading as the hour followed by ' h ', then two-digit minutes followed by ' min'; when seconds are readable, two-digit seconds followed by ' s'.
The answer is 5 h 16 min
